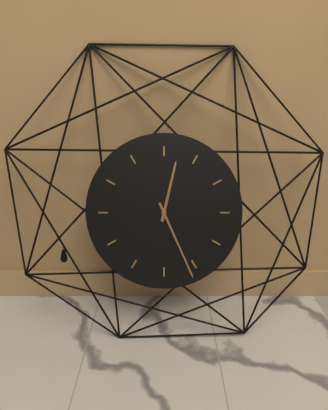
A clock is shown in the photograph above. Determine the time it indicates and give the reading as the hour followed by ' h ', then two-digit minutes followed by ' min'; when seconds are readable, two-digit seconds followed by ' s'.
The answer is 12 h 26 min
